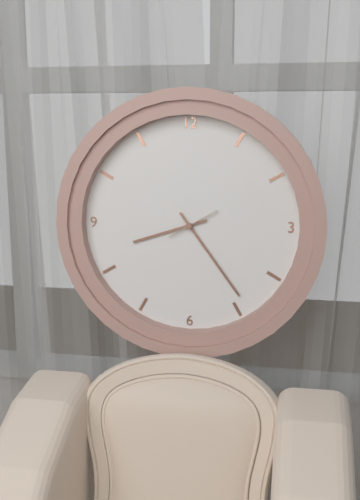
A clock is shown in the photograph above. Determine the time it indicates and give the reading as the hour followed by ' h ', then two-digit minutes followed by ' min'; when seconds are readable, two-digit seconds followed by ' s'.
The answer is 8 h 24 min
